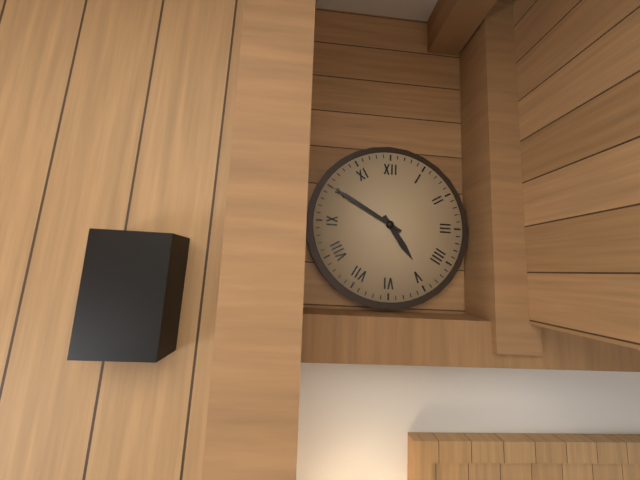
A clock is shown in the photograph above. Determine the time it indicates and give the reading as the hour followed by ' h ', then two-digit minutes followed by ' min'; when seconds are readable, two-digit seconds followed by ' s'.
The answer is 4 h 50 min
